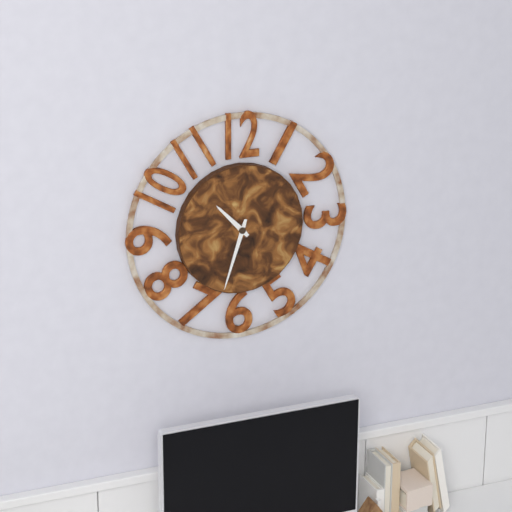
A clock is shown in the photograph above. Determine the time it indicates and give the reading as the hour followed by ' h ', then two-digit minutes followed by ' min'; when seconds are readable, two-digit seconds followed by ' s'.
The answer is 10 h 33 min
